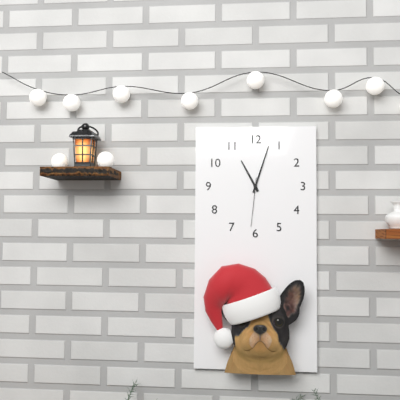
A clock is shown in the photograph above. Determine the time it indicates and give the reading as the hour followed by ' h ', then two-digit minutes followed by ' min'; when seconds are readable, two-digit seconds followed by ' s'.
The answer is 11 h 03 min 31 s
